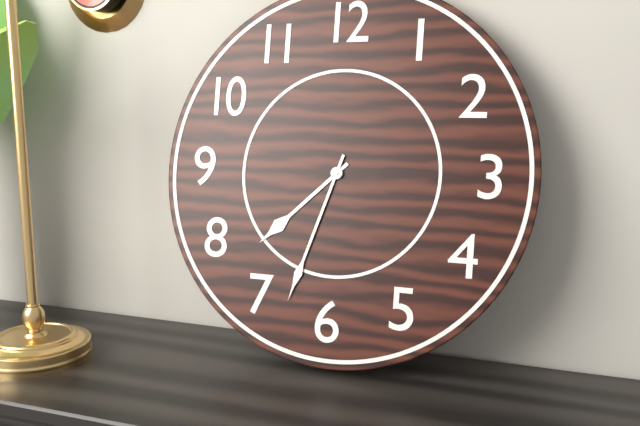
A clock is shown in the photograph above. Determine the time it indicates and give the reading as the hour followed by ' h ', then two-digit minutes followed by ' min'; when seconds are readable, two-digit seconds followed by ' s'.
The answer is 7 h 33 min
